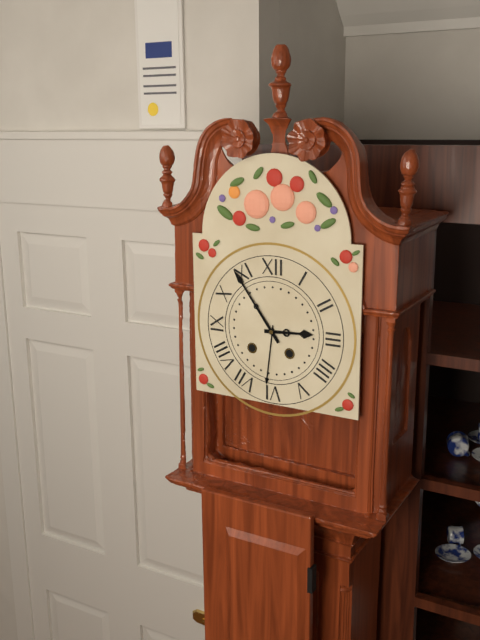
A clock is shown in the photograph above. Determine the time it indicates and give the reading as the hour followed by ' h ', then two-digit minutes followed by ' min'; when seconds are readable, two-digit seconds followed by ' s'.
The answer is 2 h 54 min
